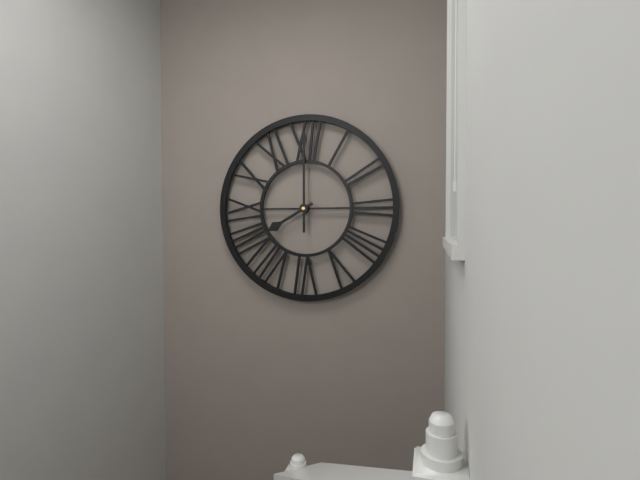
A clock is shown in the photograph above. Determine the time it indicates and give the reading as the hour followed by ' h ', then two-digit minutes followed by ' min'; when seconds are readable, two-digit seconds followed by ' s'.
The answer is 8 h 00 min
